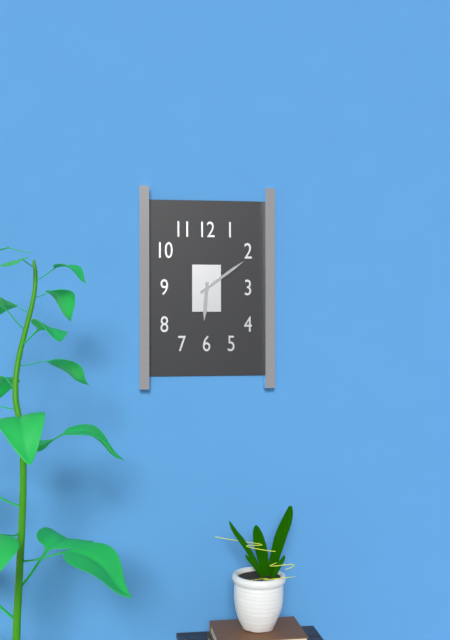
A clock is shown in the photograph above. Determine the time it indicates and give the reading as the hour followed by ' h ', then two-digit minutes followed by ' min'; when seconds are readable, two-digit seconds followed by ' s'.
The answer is 6 h 09 min
